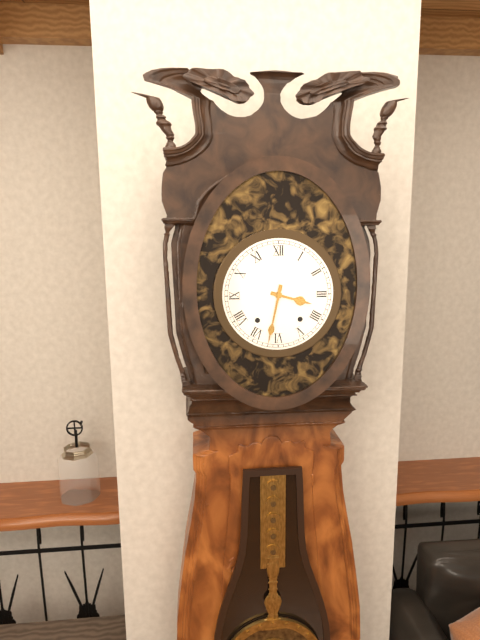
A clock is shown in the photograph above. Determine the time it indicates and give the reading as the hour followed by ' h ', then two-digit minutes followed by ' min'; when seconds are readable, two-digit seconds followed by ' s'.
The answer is 3 h 32 min
